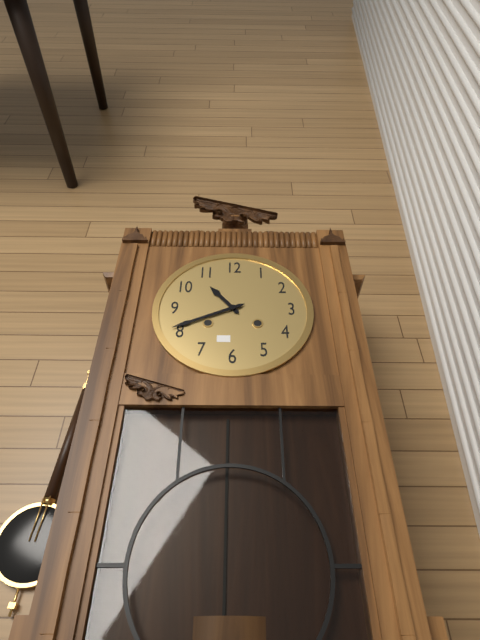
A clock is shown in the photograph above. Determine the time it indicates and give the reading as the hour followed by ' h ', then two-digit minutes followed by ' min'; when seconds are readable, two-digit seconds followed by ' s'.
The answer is 10 h 41 min
